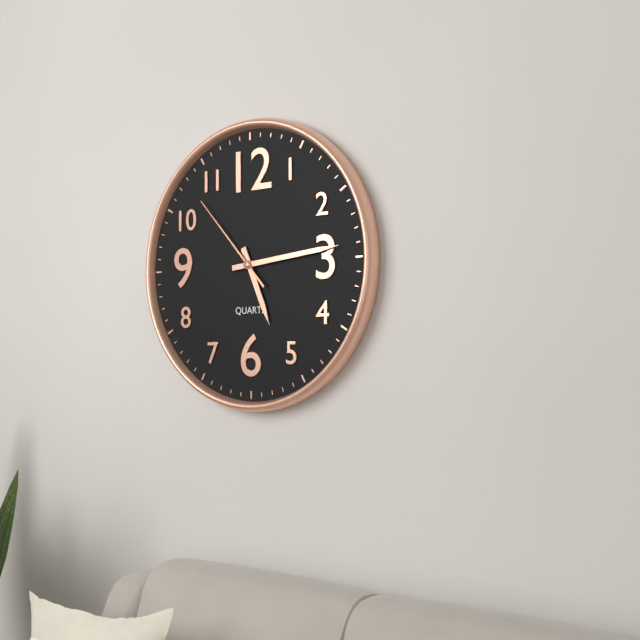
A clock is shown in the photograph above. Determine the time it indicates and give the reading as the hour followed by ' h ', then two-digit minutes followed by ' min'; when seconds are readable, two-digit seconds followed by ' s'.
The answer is 5 h 14 min 53 s
